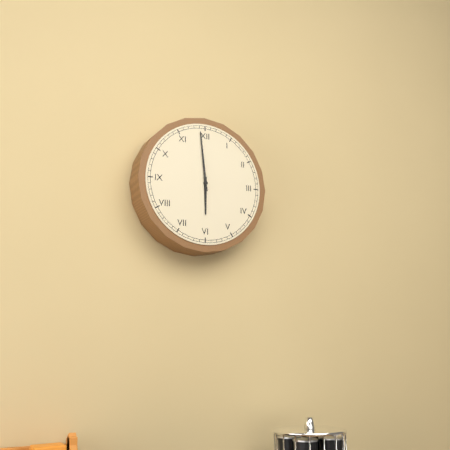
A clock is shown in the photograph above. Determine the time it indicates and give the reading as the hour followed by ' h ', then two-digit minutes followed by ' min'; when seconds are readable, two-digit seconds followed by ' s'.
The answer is 5 h 59 min
